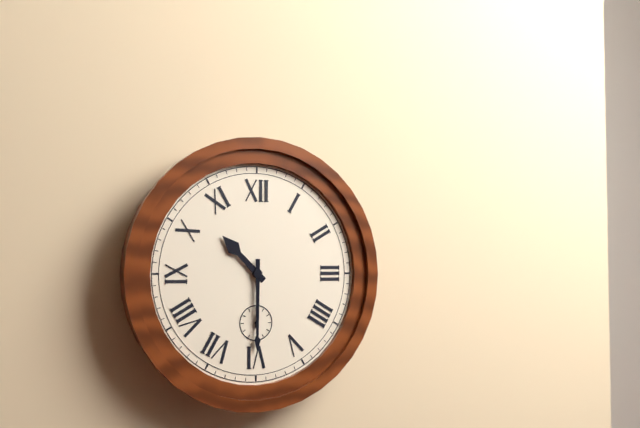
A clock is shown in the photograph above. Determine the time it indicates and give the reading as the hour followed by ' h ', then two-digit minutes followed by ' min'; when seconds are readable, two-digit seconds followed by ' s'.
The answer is 10 h 30 min
